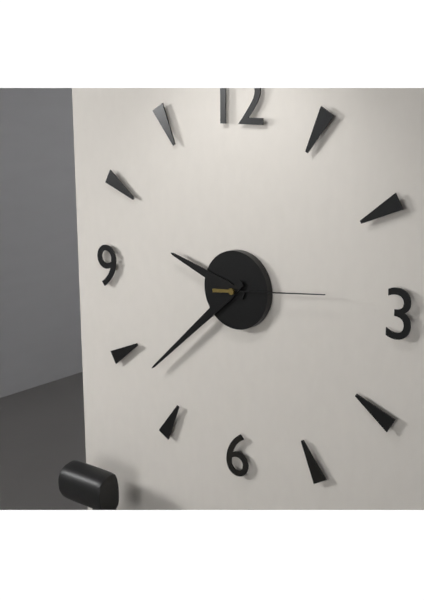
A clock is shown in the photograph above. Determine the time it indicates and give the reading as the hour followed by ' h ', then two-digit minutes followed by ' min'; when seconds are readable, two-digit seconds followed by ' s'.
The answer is 9 h 38 min 14 s
